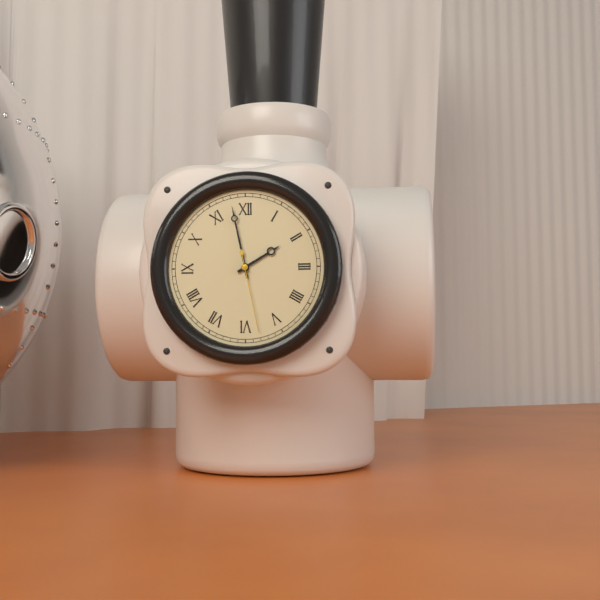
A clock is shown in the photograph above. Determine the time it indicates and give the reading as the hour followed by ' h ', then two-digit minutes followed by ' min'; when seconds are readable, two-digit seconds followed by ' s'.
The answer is 1 h 58 min 28 s
